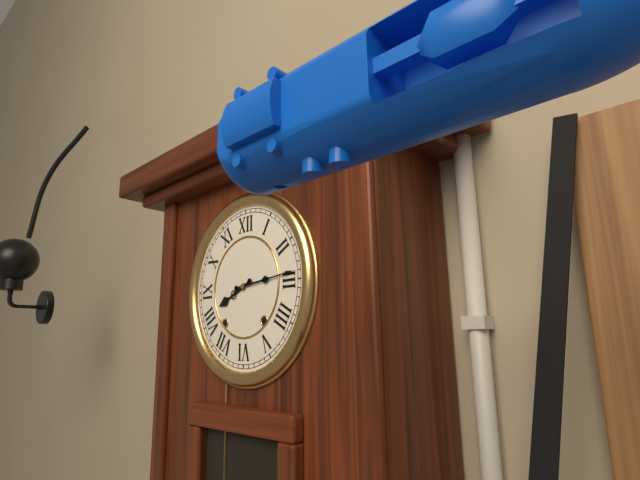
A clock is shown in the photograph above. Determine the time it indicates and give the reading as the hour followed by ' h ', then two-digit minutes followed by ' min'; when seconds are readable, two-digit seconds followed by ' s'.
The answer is 8 h 14 min
